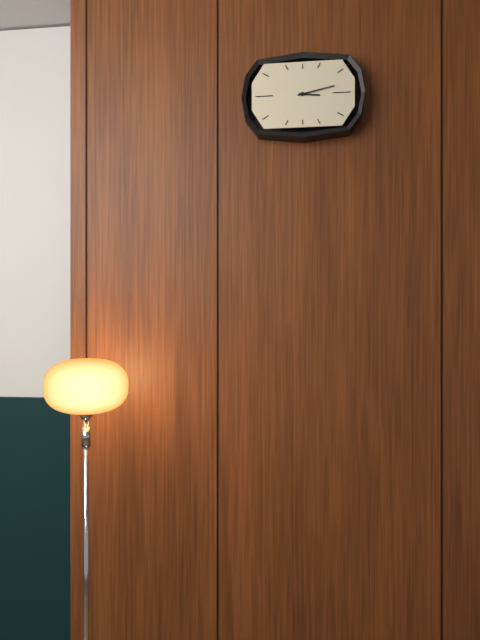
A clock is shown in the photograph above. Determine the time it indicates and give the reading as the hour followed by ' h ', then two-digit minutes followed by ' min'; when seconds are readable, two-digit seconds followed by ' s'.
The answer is 3 h 13 min
